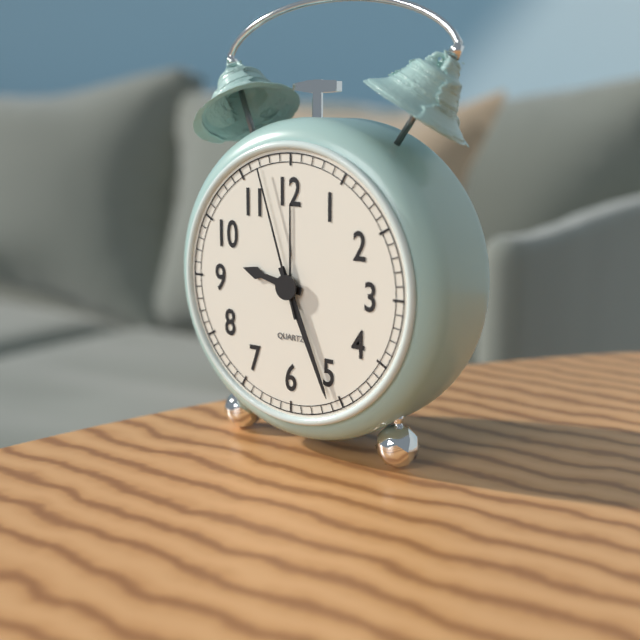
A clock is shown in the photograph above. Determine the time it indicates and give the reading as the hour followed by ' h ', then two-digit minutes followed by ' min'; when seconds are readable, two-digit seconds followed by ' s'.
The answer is 9 h 26 min 57 s
